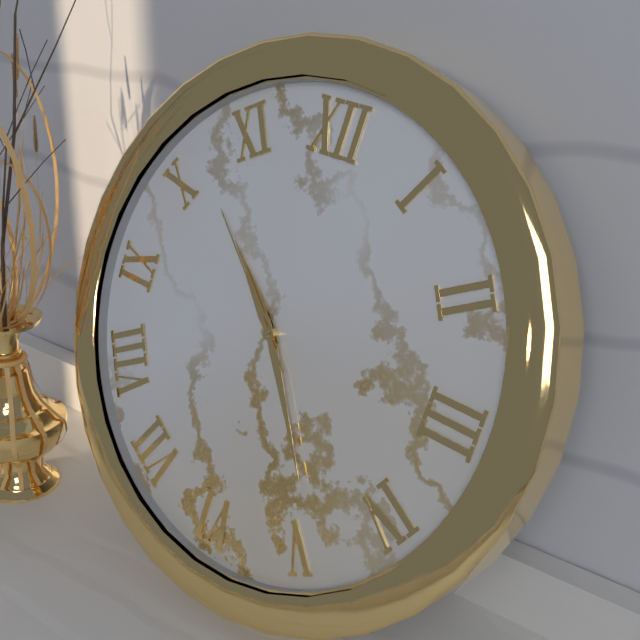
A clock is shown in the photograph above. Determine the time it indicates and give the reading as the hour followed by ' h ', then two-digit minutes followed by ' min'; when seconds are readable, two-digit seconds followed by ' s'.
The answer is 10 h 24 min 52 s
